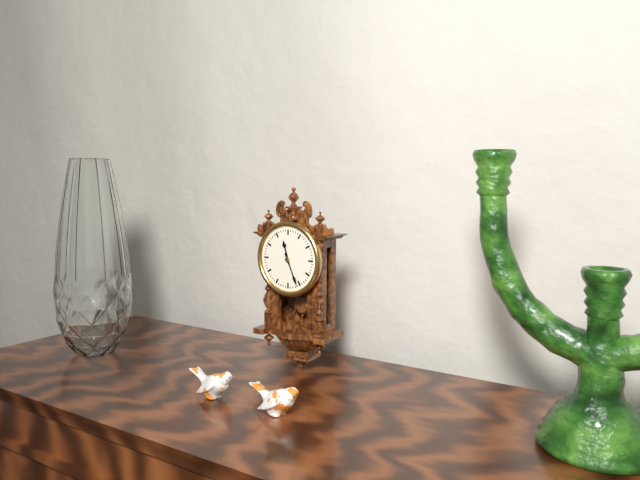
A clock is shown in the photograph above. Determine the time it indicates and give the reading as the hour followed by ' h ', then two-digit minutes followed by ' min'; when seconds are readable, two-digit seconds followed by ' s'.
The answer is 11 h 26 min
